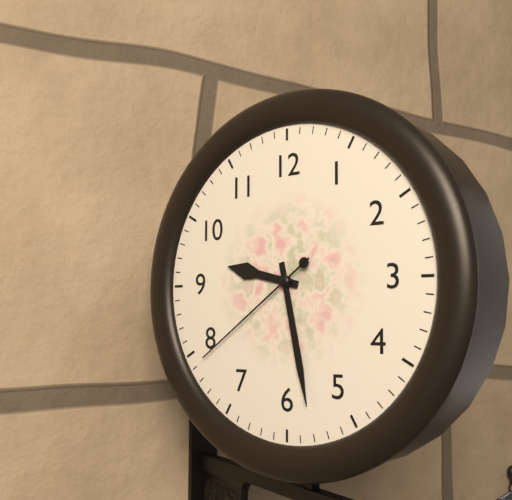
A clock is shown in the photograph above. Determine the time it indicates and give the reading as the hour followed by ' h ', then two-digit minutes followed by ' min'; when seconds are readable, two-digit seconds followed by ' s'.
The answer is 9 h 28 min 39 s
